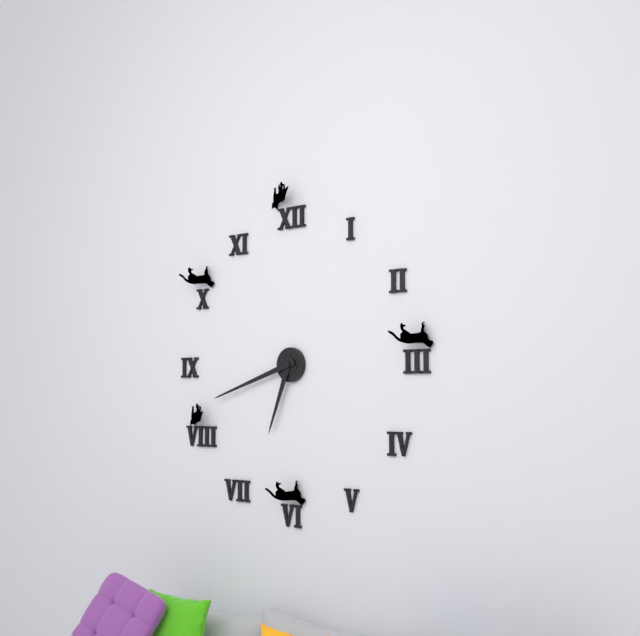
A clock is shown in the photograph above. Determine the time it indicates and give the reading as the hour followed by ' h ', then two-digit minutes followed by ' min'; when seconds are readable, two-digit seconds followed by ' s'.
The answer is 6 h 42 min
